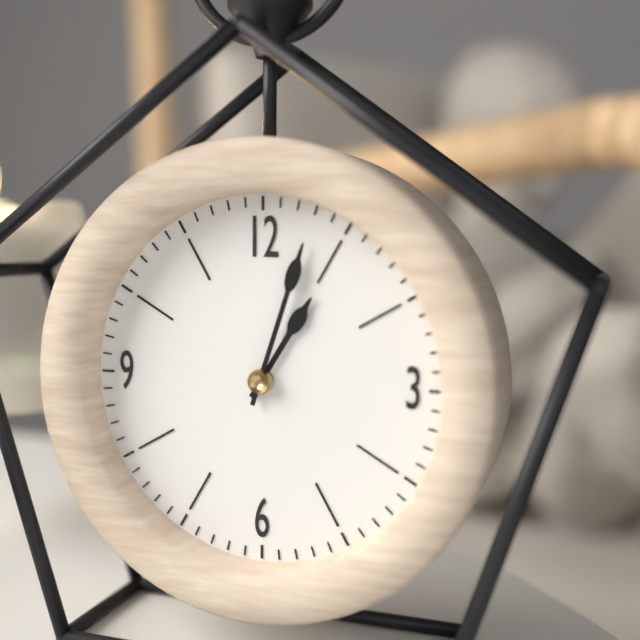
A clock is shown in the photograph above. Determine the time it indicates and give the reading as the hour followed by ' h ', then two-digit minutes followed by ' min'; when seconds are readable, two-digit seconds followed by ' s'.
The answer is 1 h 03 min
